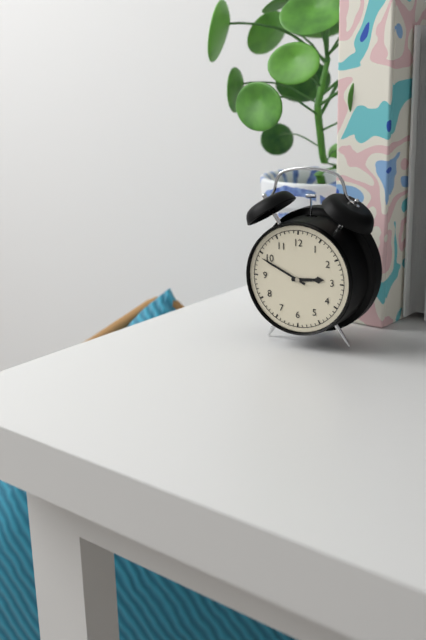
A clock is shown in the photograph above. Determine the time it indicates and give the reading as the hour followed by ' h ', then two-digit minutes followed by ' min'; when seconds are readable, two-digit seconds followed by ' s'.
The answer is 2 h 49 min
